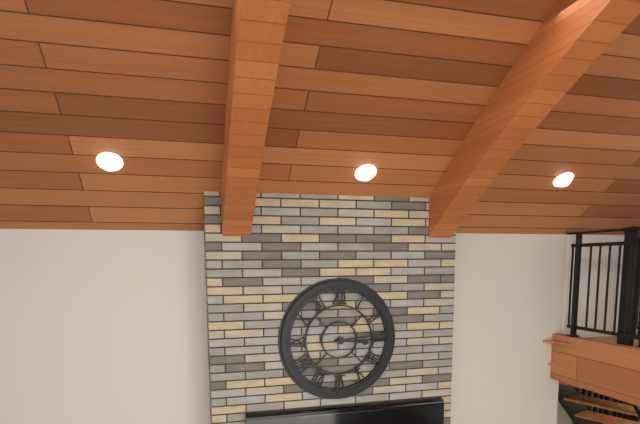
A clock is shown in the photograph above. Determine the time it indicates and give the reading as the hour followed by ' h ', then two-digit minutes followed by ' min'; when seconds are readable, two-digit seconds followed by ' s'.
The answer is 3 h 14 min
